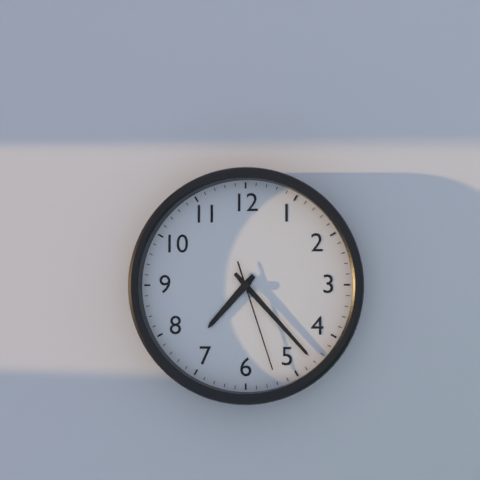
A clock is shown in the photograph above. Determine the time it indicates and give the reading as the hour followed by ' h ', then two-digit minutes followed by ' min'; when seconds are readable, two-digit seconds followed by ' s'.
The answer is 7 h 23 min 27 s
